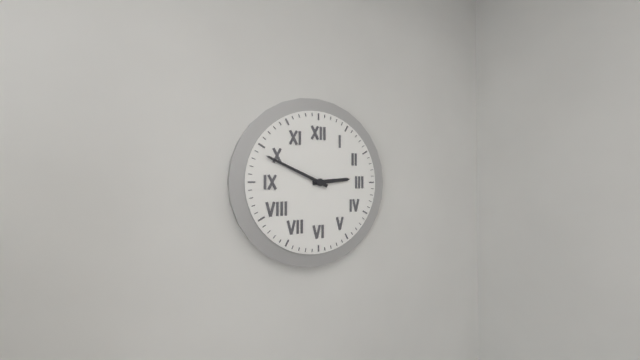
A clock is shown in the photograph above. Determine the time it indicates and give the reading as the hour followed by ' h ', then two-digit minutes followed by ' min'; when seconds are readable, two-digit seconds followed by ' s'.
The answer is 2 h 49 min
